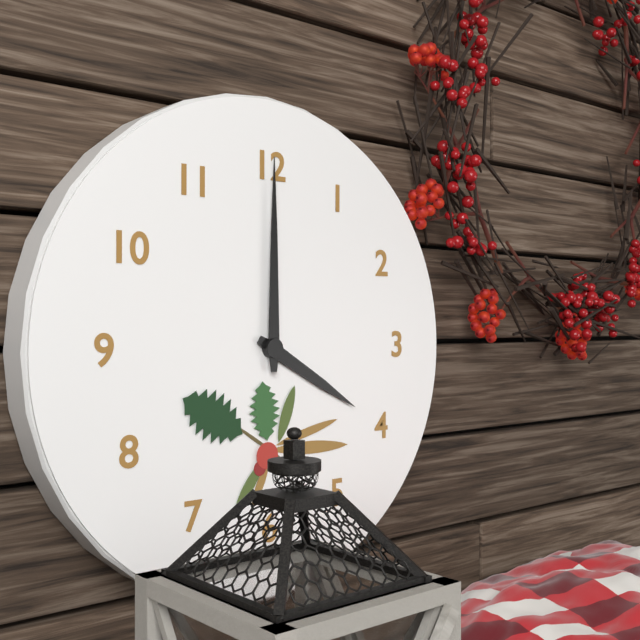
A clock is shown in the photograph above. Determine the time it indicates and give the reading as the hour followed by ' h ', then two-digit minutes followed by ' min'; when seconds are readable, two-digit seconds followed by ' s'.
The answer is 4 h 00 min
